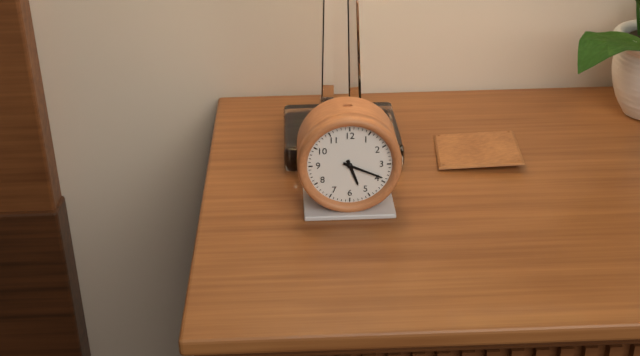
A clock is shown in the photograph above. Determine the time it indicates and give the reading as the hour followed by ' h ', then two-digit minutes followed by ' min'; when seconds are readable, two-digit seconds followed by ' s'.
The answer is 5 h 19 min
